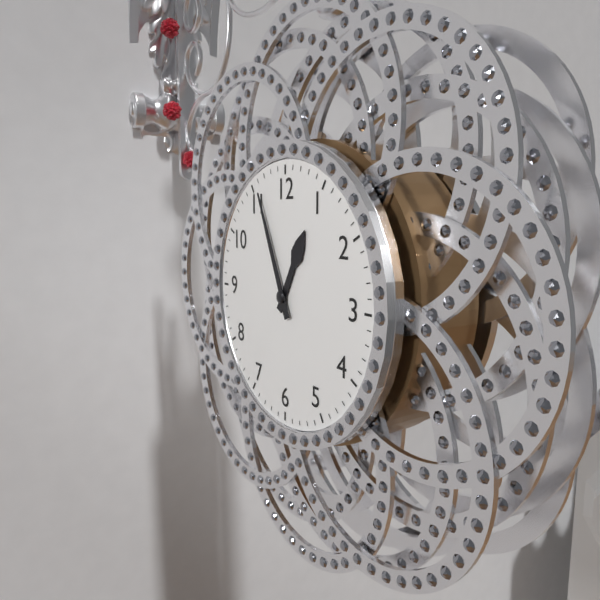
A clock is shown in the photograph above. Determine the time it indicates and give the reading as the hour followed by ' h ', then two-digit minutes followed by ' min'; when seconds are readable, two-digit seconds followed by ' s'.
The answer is 12 h 56 min
